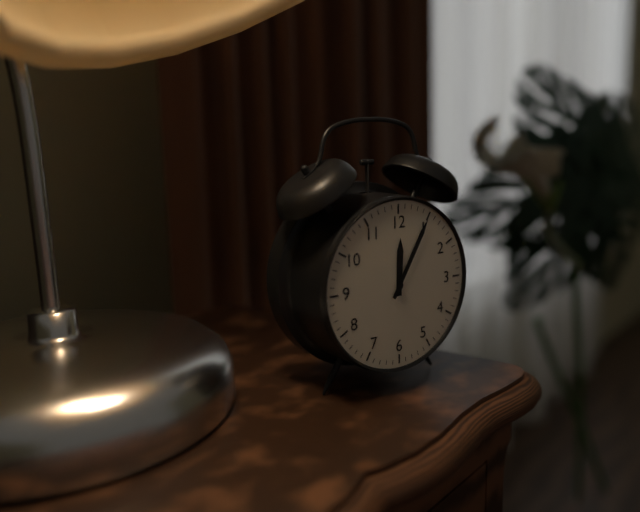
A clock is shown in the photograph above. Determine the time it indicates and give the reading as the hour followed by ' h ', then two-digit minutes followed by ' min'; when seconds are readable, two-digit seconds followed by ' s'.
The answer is 12 h 05 min
